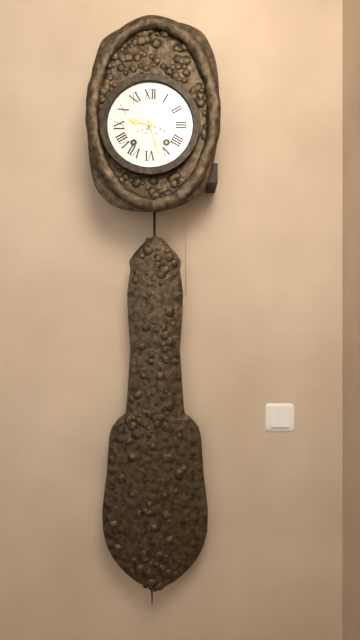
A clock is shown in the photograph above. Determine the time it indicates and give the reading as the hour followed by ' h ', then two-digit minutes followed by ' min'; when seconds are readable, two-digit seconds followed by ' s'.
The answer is 9 h 27 min
